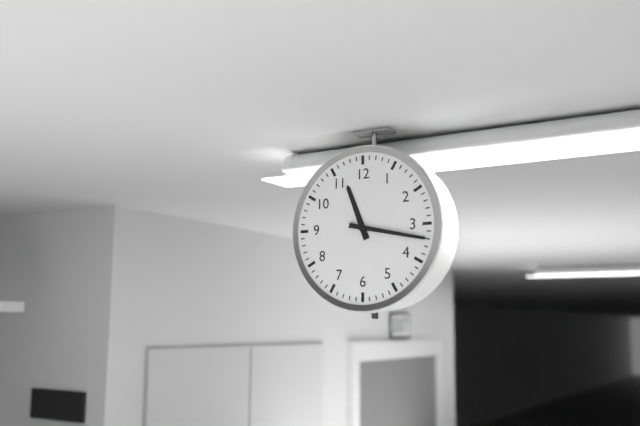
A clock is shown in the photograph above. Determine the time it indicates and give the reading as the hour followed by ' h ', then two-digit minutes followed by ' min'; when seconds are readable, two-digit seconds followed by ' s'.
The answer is 11 h 17 min
